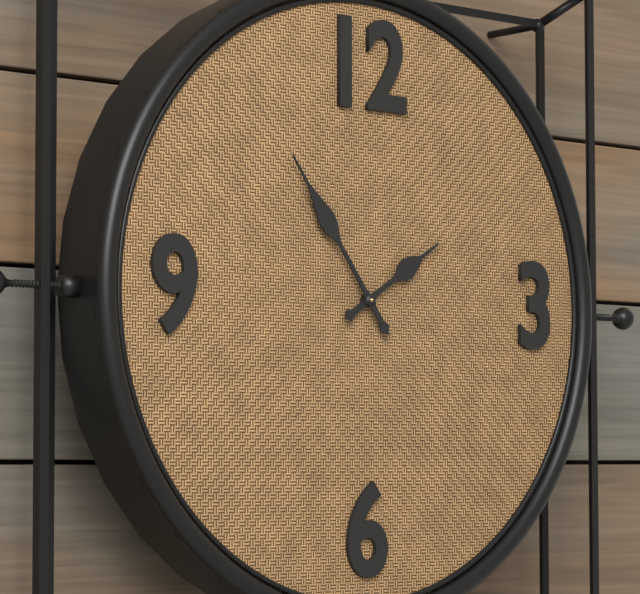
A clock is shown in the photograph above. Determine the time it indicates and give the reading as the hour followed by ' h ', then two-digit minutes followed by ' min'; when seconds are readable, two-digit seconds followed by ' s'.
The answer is 1 h 54 min
